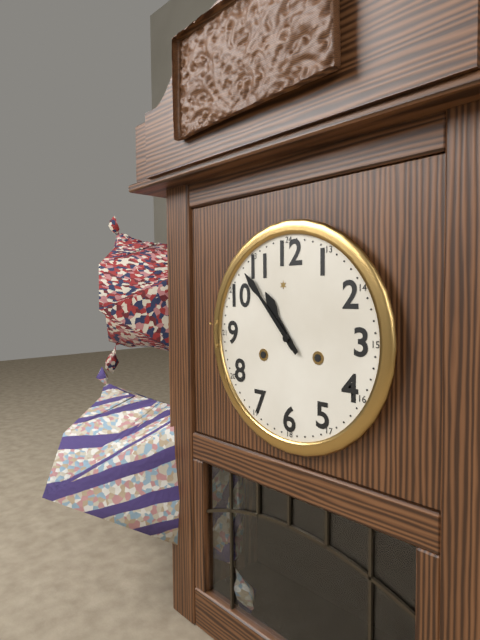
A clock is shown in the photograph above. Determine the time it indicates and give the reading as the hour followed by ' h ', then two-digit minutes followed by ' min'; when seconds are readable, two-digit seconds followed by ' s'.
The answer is 10 h 53 min
